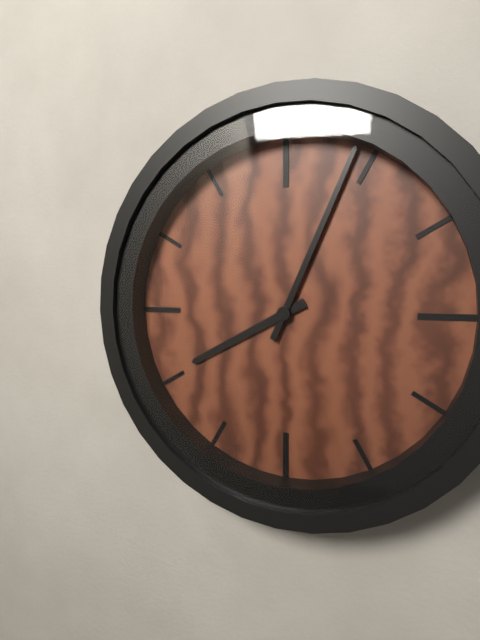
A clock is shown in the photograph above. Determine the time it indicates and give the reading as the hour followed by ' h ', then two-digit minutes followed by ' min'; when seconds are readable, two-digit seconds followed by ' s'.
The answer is 8 h 04 min
